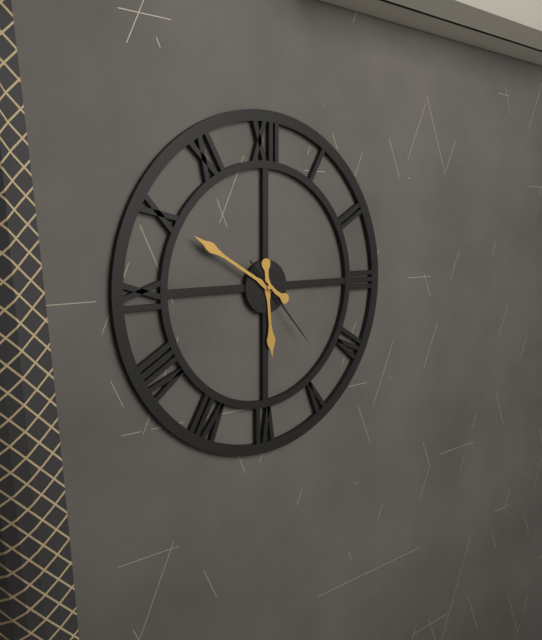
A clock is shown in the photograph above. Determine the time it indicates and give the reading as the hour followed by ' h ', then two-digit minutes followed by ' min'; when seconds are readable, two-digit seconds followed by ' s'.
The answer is 5 h 50 min 23 s
